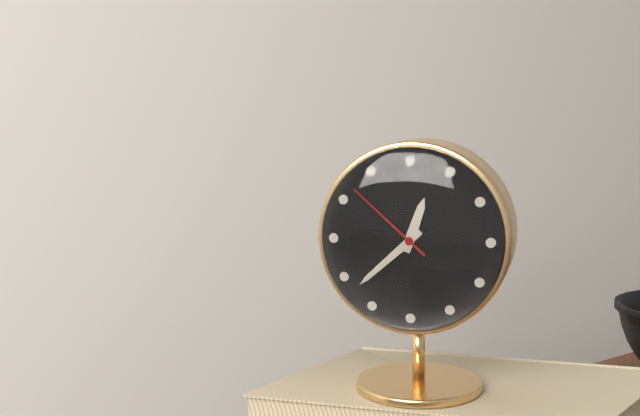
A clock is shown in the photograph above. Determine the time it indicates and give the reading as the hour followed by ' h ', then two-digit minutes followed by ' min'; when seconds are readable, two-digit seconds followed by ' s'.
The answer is 12 h 38 min 52 s
